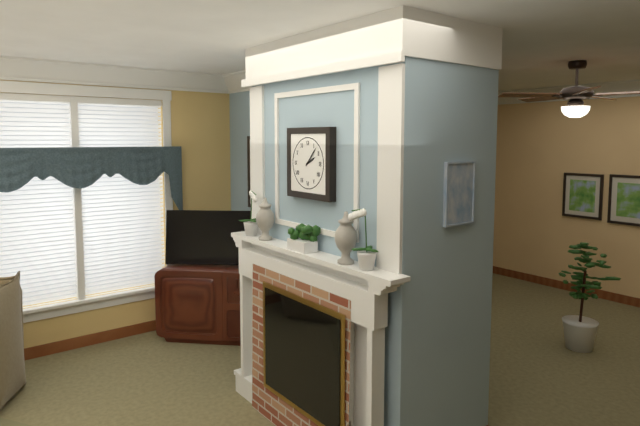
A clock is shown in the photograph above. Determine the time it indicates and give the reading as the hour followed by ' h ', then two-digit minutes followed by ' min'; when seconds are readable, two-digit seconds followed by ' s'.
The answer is 2 h 07 min
